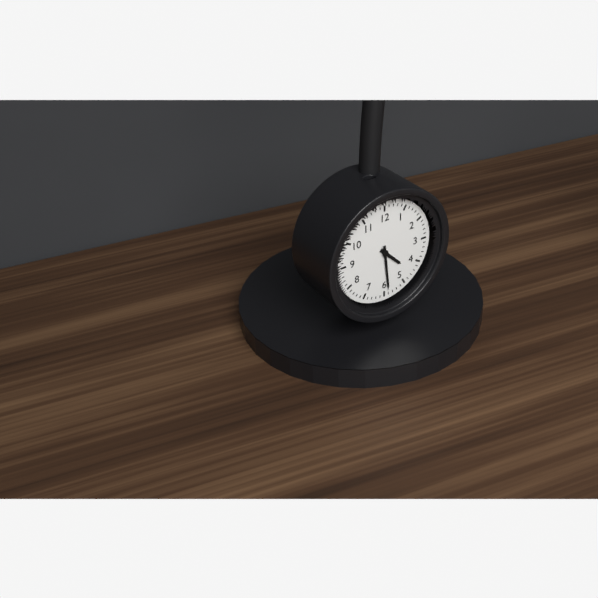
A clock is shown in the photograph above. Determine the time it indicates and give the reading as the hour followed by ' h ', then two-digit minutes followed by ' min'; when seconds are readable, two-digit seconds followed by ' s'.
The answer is 4 h 29 min
